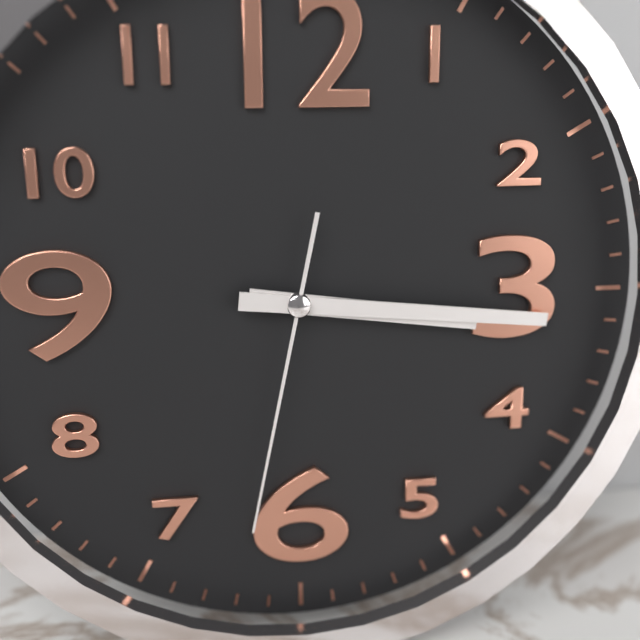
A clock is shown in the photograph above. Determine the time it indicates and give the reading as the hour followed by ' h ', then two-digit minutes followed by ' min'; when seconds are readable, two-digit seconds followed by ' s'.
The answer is 3 h 16 min 32 s
